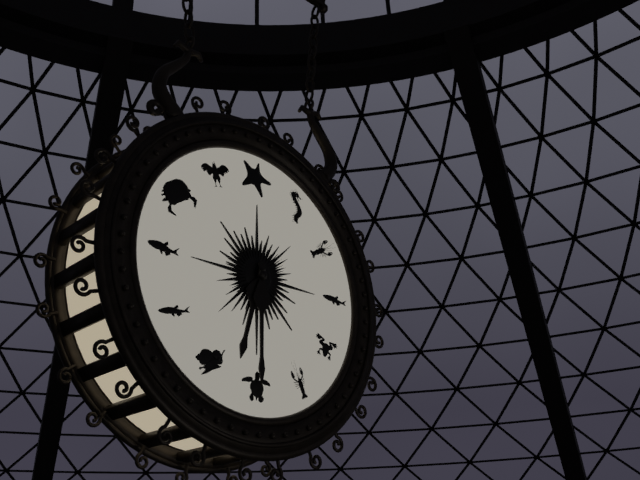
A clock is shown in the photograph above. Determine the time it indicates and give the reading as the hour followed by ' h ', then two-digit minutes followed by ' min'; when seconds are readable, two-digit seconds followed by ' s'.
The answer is 6 h 30 min
